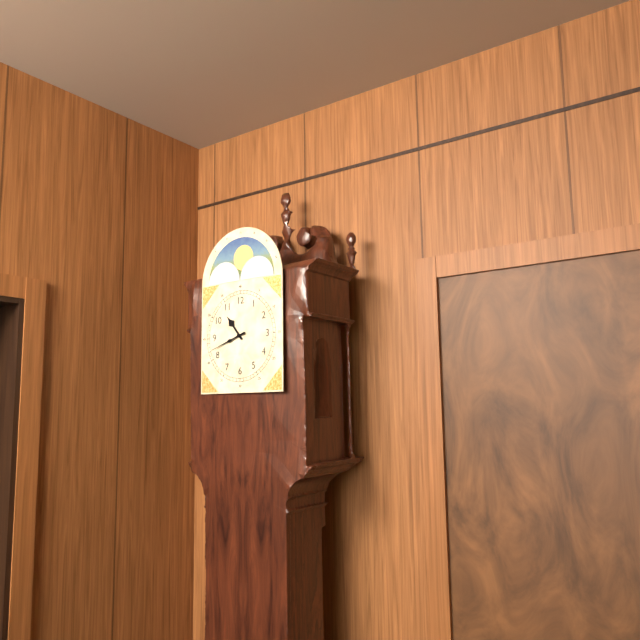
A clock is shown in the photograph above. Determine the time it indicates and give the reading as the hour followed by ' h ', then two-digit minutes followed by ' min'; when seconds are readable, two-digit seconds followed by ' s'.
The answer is 10 h 42 min
